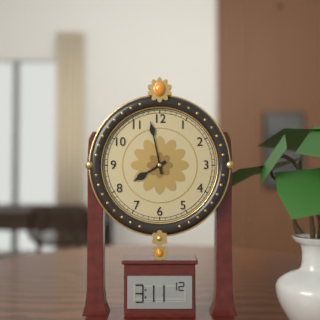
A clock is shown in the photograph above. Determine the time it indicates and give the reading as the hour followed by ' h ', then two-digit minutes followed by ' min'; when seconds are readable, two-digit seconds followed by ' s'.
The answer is 7 h 58 min
